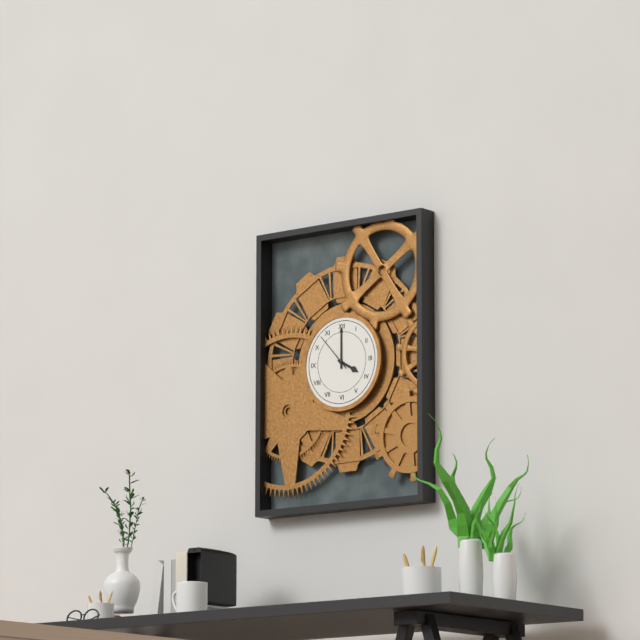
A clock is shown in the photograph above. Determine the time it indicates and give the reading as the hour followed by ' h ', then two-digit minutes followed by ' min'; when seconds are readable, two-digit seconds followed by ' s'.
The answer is 4 h 00 min
